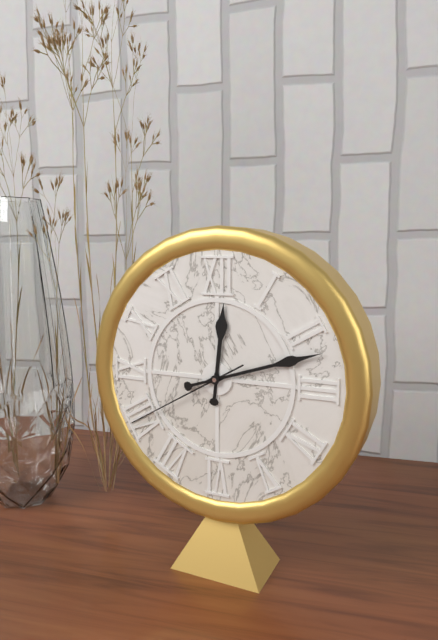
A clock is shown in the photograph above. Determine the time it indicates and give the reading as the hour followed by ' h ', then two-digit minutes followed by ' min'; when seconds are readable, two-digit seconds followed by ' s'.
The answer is 12 h 12 min 40 s
